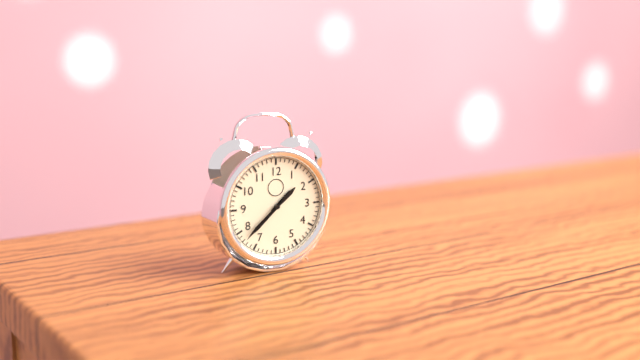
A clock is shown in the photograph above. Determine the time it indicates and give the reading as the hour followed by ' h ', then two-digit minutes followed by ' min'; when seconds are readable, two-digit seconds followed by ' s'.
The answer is 1 h 38 min 38 s
